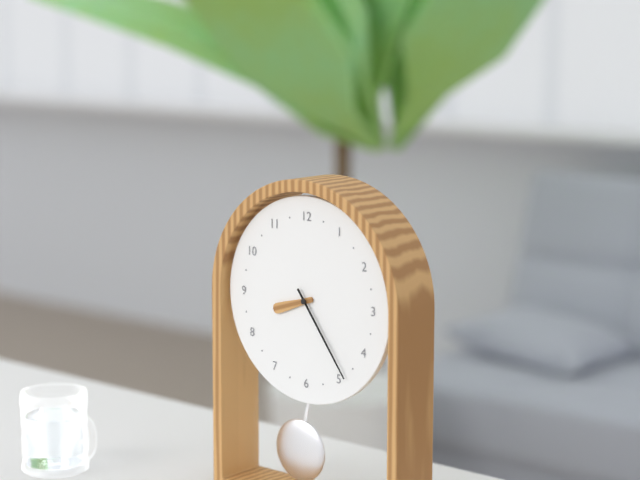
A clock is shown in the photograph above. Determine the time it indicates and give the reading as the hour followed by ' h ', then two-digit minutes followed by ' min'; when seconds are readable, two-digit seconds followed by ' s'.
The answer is 8 h 24 min
